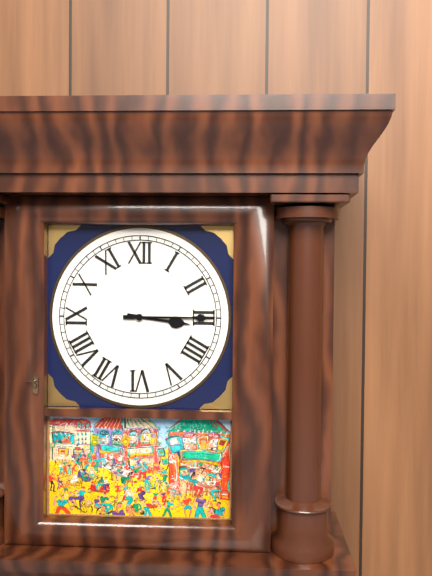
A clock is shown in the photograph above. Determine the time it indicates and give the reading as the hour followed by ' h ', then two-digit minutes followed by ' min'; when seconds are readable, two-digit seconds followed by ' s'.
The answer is 3 h 15 min
